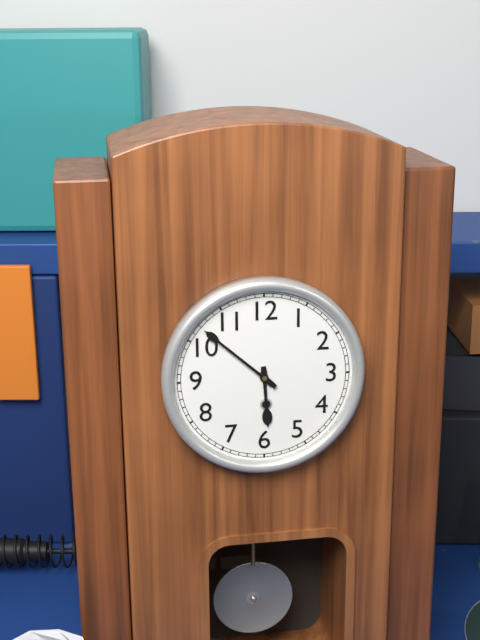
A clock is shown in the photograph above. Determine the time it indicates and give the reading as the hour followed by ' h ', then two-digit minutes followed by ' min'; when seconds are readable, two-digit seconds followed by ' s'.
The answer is 5 h 52 min
